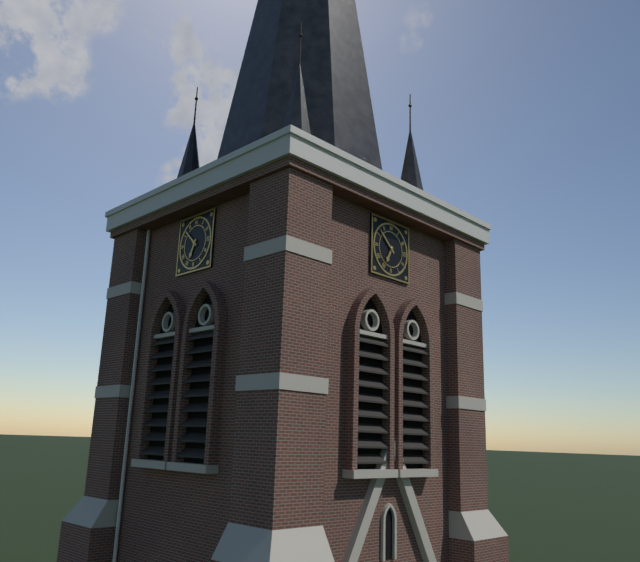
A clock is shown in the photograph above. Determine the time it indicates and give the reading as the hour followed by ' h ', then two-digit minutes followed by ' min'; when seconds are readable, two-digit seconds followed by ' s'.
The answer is 6 h 52 min
